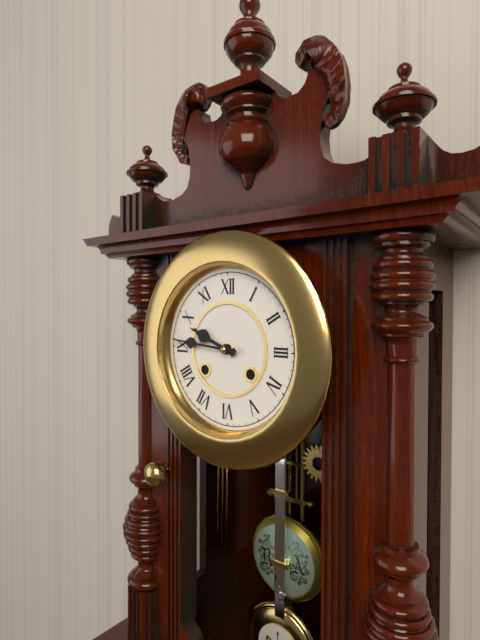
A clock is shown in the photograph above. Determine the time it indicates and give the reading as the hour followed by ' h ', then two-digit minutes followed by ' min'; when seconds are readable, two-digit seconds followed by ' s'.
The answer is 9 h 46 min
